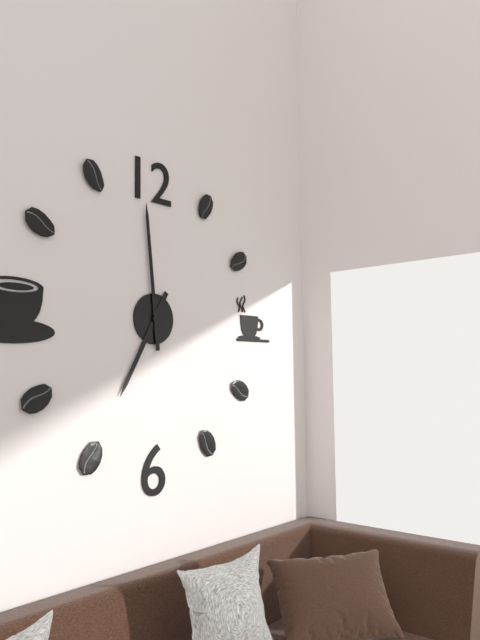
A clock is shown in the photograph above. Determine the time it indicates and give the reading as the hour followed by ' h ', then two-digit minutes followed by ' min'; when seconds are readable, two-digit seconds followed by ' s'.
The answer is 6 h 59 min
